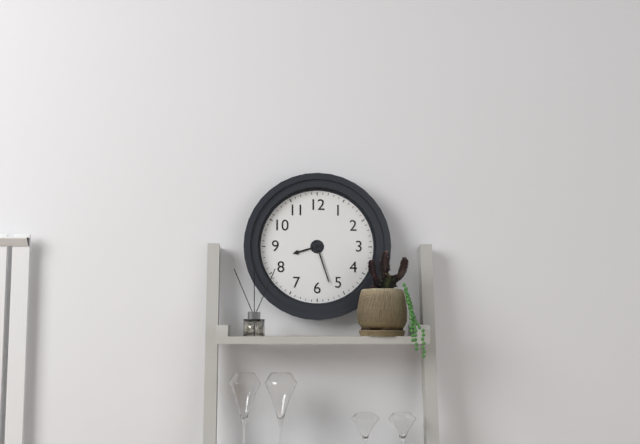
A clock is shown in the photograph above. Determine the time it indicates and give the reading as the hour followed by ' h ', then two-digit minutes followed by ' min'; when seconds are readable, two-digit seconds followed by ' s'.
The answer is 8 h 27 min
